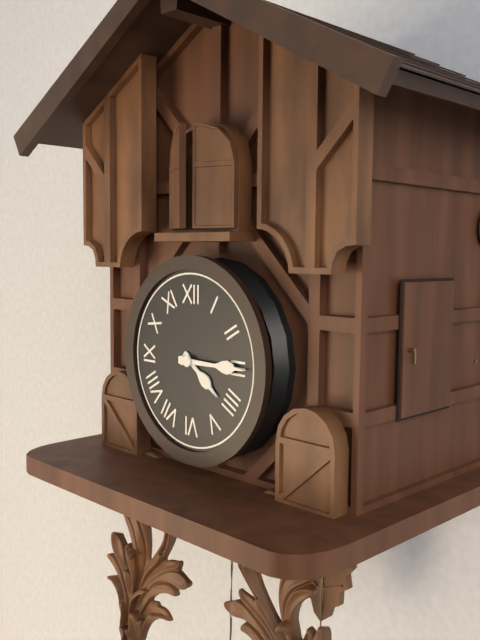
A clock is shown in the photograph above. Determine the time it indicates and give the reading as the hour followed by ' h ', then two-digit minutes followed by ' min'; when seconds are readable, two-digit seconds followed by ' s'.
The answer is 4 h 15 min
